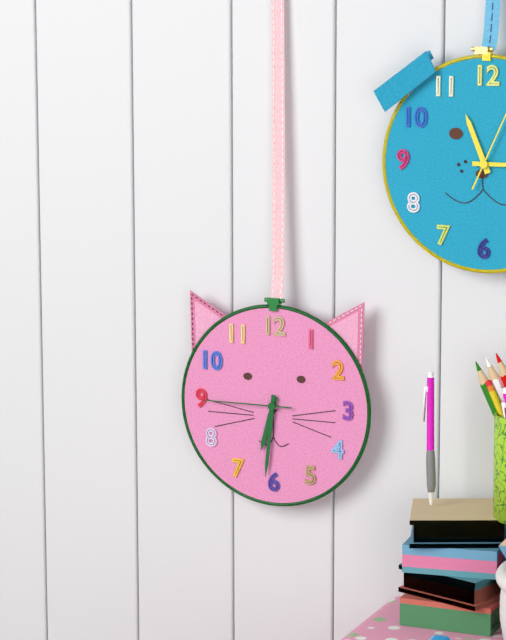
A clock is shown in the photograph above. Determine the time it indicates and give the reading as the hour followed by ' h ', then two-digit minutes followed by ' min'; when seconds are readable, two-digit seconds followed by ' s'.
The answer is 6 h 31 min 45 s
